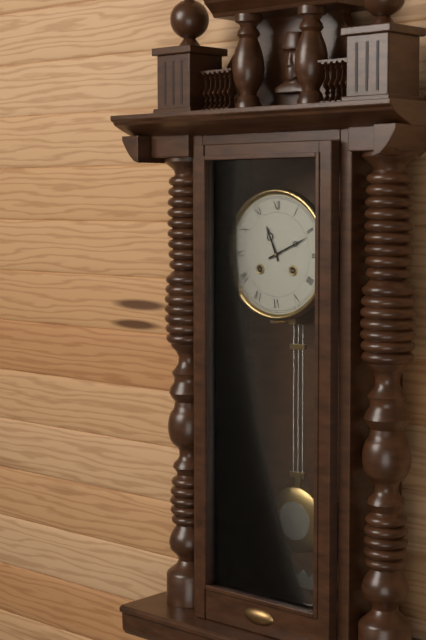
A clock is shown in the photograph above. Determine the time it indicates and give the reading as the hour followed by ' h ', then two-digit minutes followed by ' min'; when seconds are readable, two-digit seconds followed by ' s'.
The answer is 11 h 11 min
